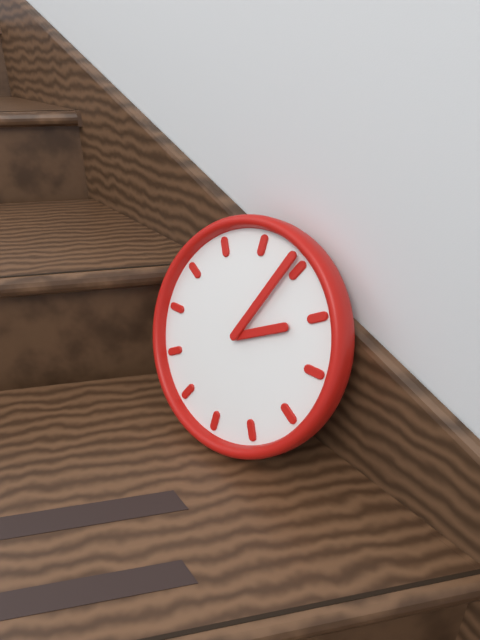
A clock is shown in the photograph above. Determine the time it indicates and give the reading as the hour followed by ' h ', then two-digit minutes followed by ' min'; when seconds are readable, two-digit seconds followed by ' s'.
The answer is 2 h 04 min
